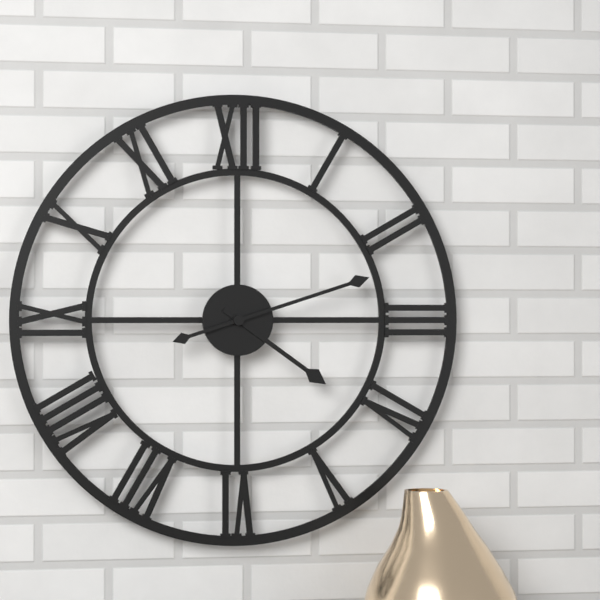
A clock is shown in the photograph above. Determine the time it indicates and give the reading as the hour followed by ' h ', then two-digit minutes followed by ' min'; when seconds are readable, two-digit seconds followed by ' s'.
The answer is 4 h 12 min
